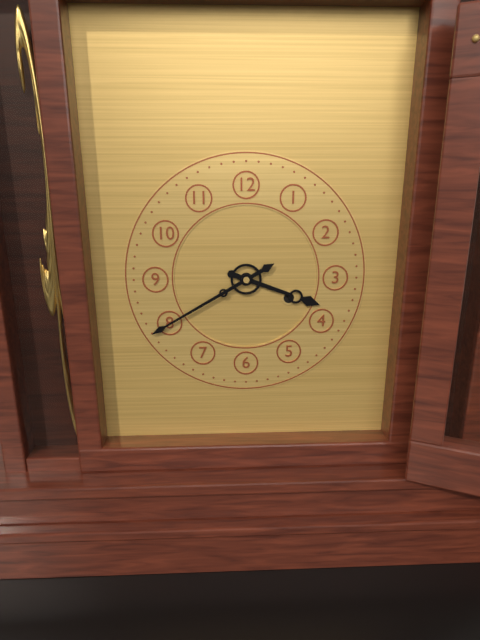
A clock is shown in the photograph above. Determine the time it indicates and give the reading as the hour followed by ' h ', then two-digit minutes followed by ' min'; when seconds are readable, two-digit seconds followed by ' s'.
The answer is 3 h 40 min
